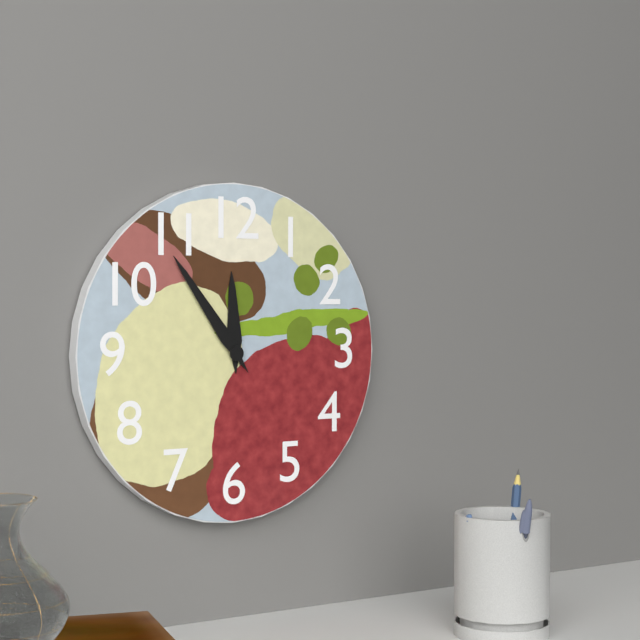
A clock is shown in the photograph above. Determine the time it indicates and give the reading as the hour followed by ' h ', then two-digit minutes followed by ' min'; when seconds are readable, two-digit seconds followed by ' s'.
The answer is 11 h 54 min
